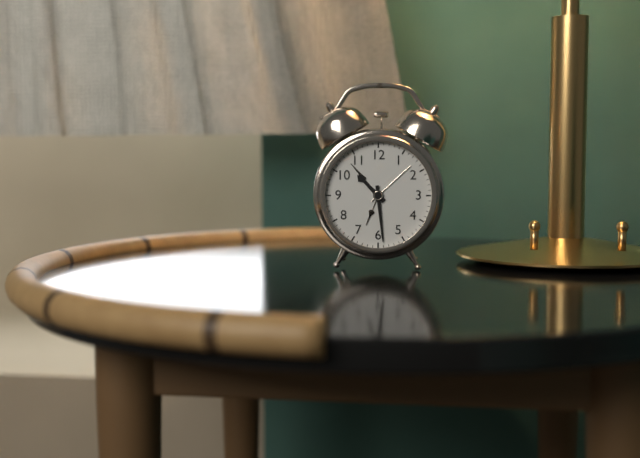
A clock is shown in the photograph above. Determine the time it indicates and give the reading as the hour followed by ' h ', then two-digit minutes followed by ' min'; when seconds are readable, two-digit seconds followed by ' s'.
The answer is 10 h 29 min
